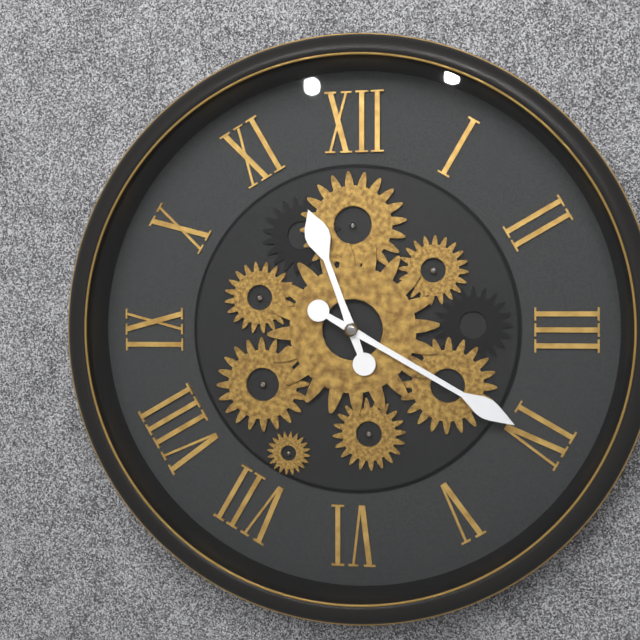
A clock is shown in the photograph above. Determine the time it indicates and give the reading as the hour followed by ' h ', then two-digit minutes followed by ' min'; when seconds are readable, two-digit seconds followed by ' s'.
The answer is 11 h 20 min
